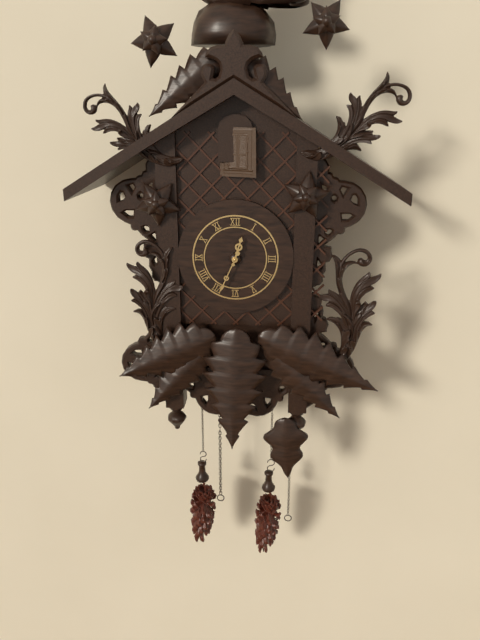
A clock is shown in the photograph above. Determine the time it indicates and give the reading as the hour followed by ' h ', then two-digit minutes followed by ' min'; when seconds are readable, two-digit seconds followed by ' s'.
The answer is 12 h 34 min
